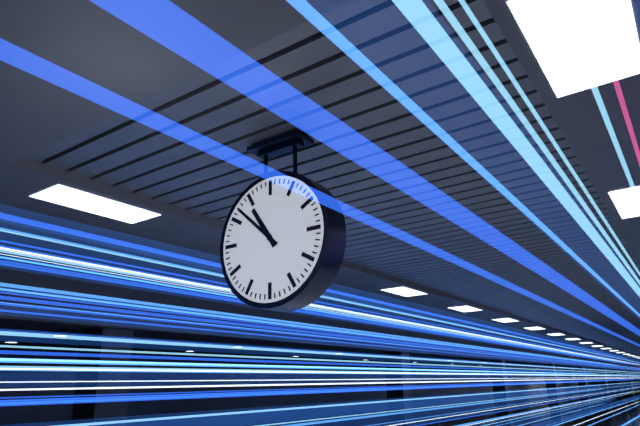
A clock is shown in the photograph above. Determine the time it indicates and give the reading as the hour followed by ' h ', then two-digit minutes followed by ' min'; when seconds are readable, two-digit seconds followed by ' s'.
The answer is 10 h 52 min
